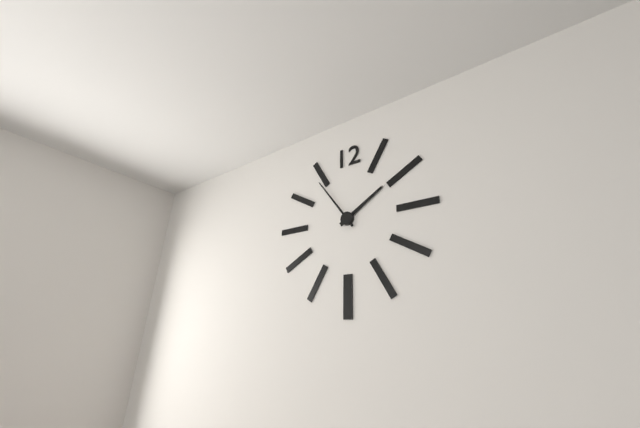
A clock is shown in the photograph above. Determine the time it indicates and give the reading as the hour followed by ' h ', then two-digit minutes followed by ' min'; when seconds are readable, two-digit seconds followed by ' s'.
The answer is 1 h 54 min
